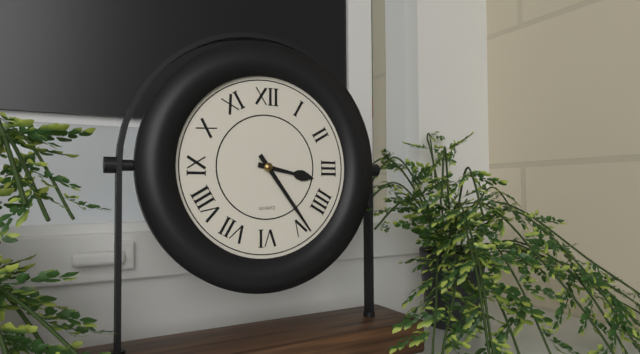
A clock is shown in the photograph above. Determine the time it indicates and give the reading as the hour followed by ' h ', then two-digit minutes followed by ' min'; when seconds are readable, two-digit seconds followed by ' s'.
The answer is 3 h 24 min
